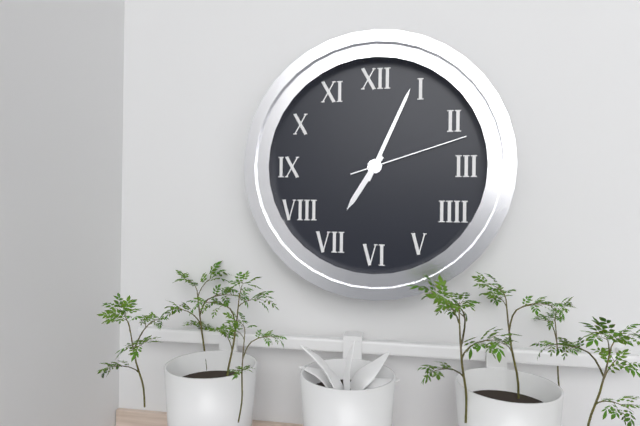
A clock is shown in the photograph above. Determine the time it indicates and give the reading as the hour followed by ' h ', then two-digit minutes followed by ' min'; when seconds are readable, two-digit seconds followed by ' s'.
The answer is 7 h 04 min 12 s
